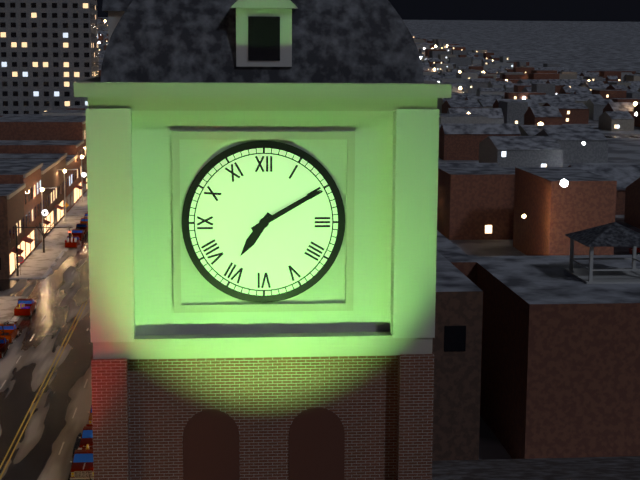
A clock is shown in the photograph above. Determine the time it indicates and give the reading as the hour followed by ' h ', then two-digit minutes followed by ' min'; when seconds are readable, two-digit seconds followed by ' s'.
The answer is 7 h 10 min
